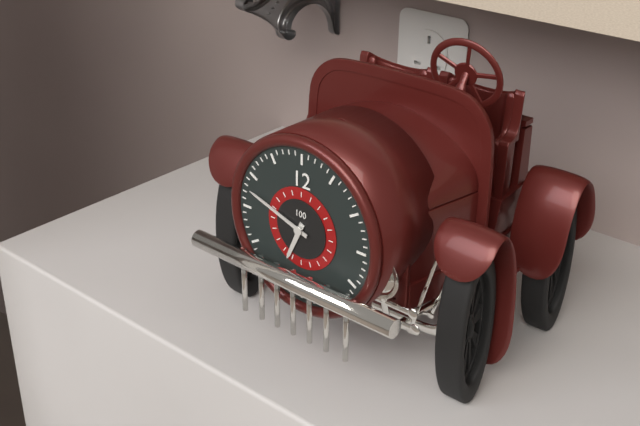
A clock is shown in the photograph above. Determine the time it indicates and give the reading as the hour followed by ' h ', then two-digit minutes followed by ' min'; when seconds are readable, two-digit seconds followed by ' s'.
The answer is 6 h 48 min
